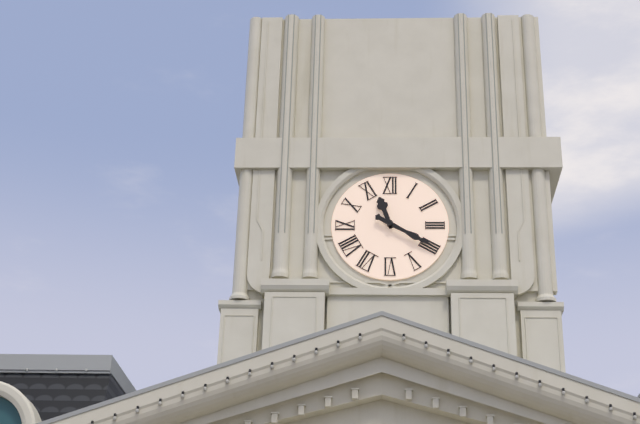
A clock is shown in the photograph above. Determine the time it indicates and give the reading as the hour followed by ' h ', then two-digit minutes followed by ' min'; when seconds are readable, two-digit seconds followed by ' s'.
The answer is 11 h 20 min
